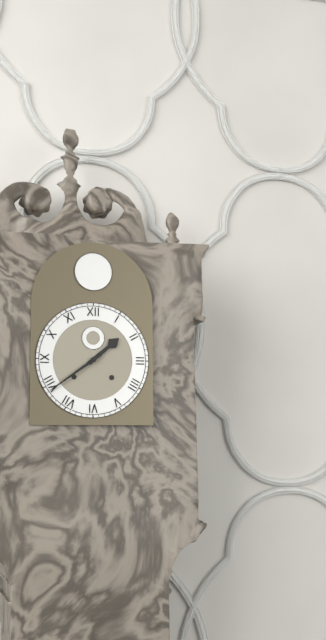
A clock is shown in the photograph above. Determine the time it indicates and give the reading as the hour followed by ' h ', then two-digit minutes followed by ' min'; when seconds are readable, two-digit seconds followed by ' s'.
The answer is 1 h 39 min
